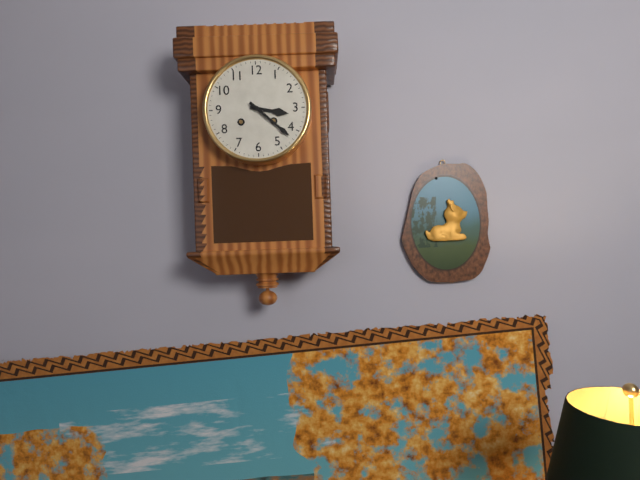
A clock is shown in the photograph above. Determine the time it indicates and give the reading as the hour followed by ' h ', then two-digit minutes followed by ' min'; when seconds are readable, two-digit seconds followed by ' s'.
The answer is 3 h 22 min
